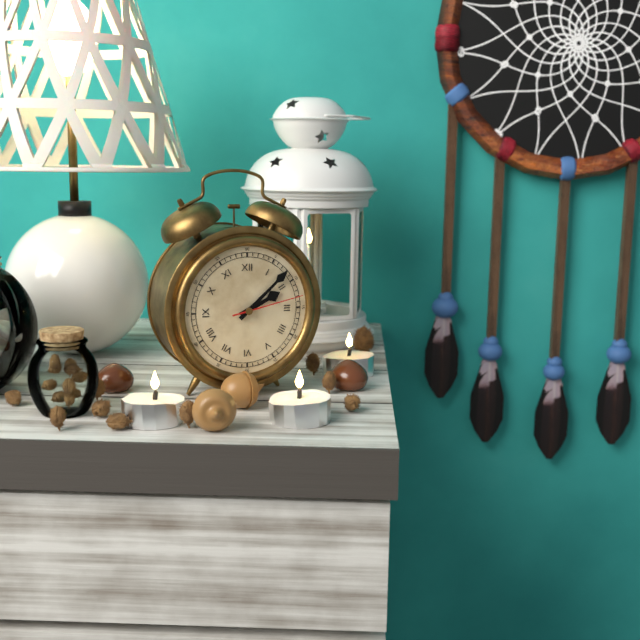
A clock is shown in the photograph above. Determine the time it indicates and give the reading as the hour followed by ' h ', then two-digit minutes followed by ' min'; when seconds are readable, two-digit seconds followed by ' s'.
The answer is 2 h 08 min 13 s
